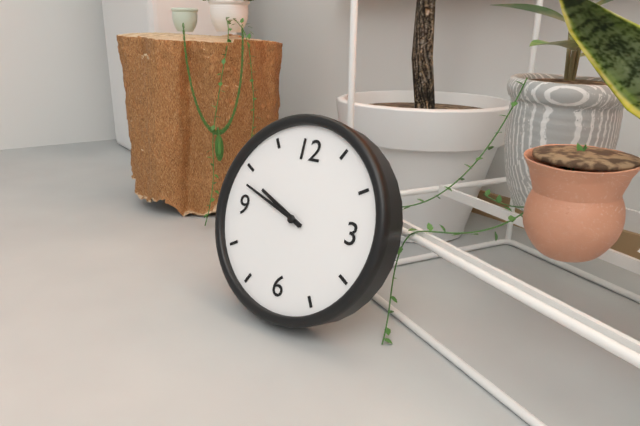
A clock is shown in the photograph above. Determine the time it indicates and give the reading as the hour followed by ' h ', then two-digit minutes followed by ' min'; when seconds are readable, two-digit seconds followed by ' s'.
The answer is 9 h 48 min
